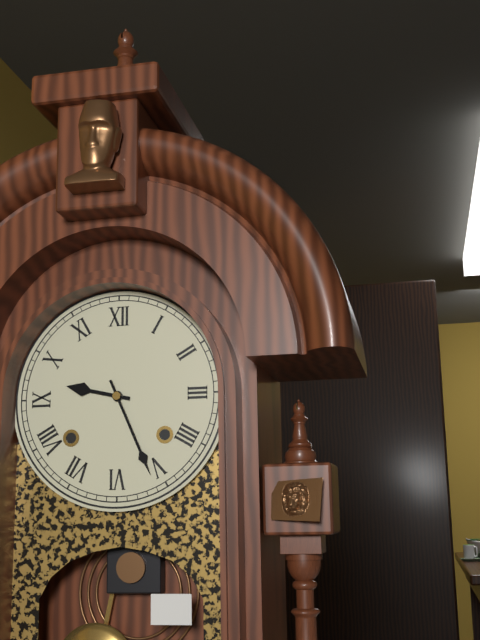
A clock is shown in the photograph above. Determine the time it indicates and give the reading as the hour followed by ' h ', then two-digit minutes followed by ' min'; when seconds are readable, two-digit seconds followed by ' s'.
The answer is 9 h 26 min
